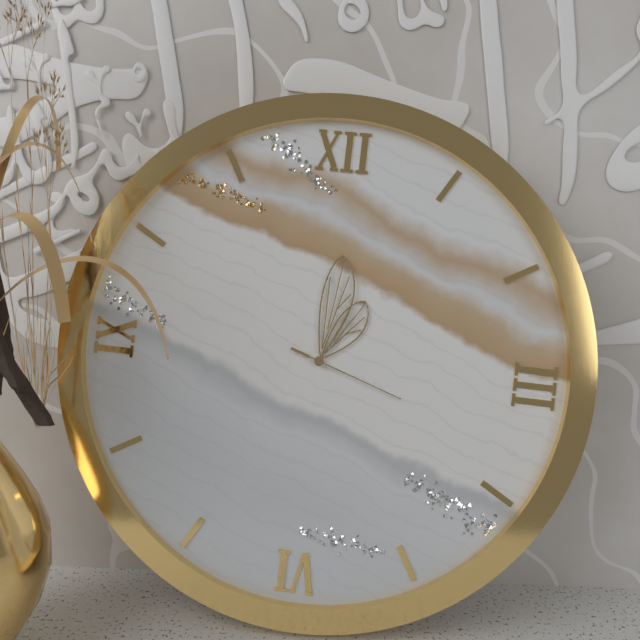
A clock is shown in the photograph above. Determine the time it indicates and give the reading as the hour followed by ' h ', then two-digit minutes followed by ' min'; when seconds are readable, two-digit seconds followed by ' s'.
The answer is 1 h 01 min 18 s
